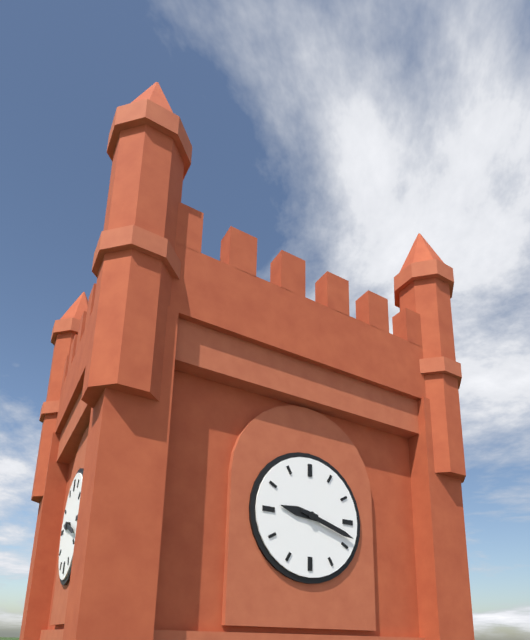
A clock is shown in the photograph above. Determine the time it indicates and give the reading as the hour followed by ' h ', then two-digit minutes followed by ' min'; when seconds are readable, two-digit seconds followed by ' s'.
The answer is 9 h 18 min
